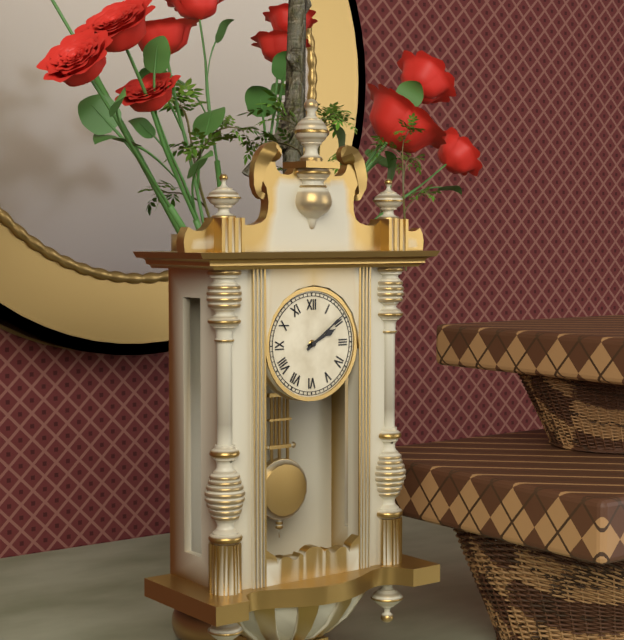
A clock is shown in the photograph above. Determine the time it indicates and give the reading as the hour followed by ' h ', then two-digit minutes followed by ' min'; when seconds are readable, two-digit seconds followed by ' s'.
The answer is 2 h 09 min
